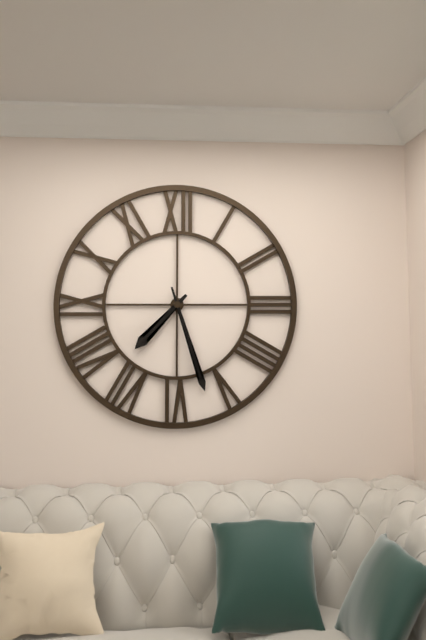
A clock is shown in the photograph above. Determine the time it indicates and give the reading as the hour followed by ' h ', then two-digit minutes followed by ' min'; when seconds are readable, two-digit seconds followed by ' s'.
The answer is 7 h 27 min
